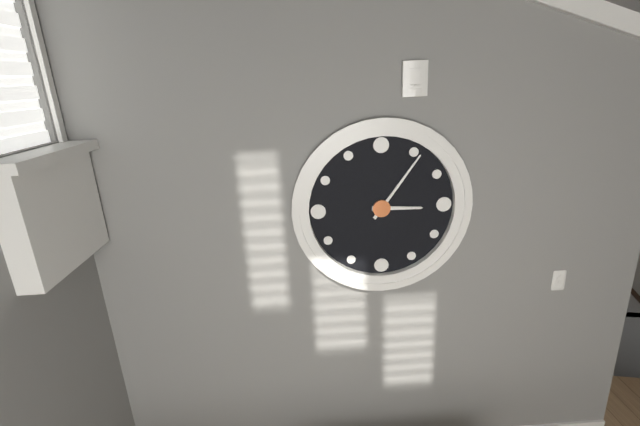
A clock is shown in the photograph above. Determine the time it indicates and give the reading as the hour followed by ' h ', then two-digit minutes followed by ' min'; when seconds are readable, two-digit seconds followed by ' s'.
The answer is 3 h 06 min
